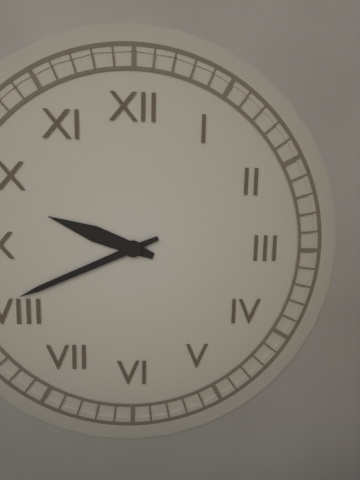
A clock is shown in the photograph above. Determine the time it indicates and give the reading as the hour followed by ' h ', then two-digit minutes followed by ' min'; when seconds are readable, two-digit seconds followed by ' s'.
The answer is 9 h 41 min
